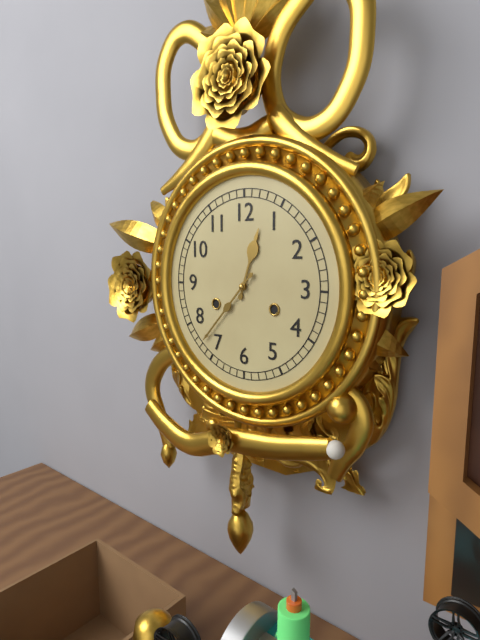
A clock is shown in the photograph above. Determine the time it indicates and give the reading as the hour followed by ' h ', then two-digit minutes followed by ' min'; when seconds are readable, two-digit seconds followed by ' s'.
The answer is 12 h 37 min
